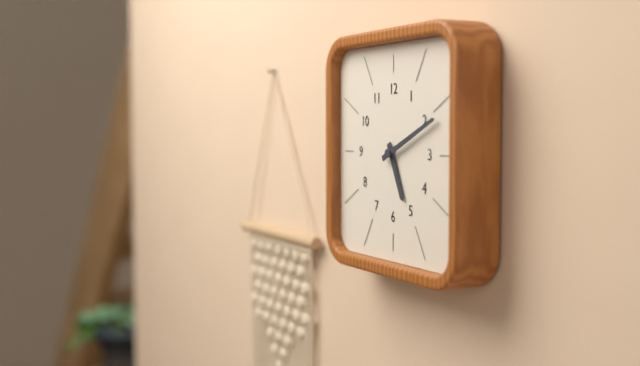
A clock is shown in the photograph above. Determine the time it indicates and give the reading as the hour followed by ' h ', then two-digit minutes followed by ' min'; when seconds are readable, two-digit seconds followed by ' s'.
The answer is 5 h 11 min
